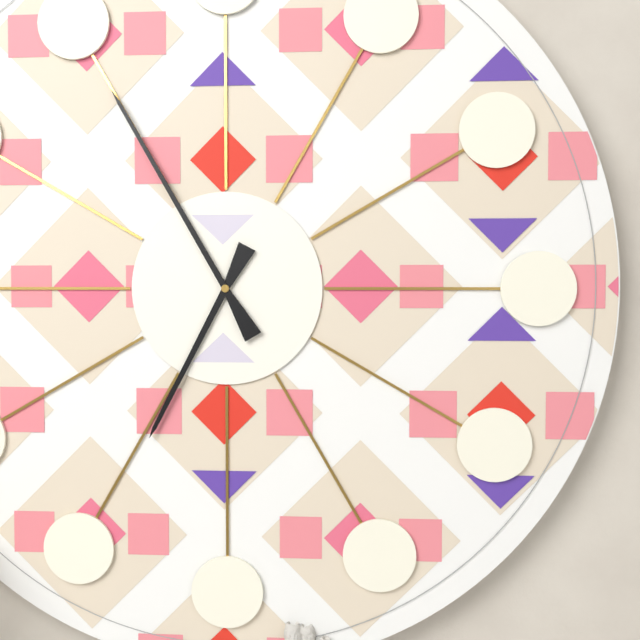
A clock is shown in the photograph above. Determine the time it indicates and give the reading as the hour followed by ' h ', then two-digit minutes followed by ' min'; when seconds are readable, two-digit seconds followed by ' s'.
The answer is 6 h 55 min
